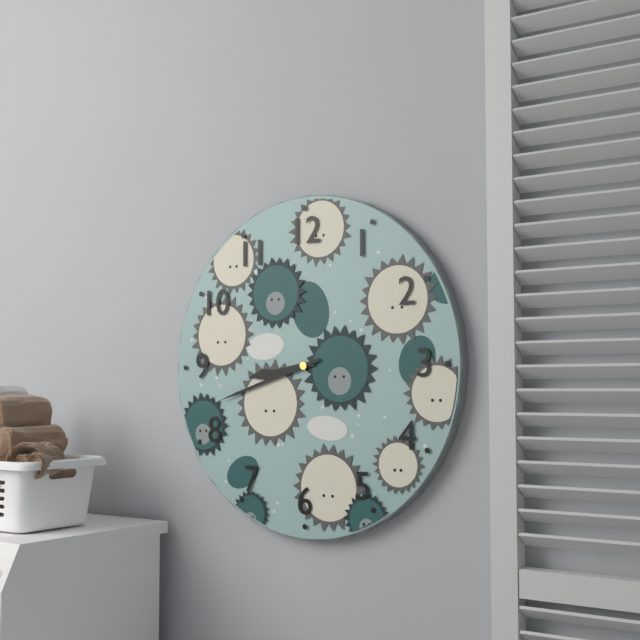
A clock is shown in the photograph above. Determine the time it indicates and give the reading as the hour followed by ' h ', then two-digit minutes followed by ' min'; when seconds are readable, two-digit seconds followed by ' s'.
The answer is 8 h 42 min
